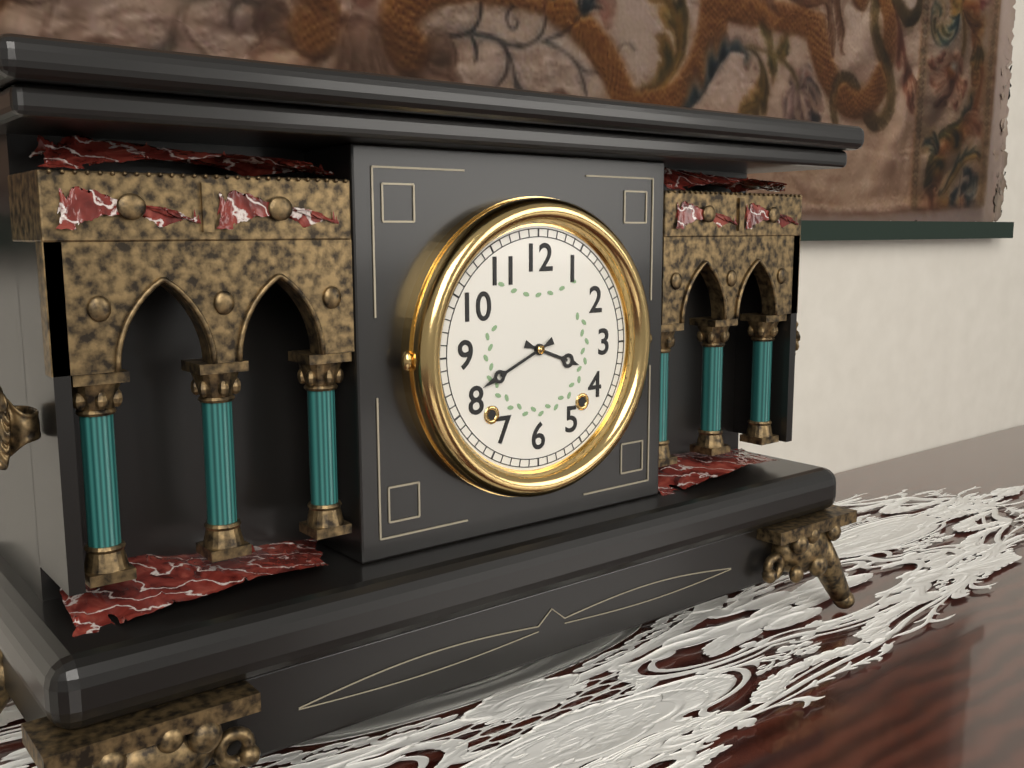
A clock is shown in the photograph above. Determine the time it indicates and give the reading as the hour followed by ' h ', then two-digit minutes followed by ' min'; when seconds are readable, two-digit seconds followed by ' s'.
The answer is 3 h 41 min
